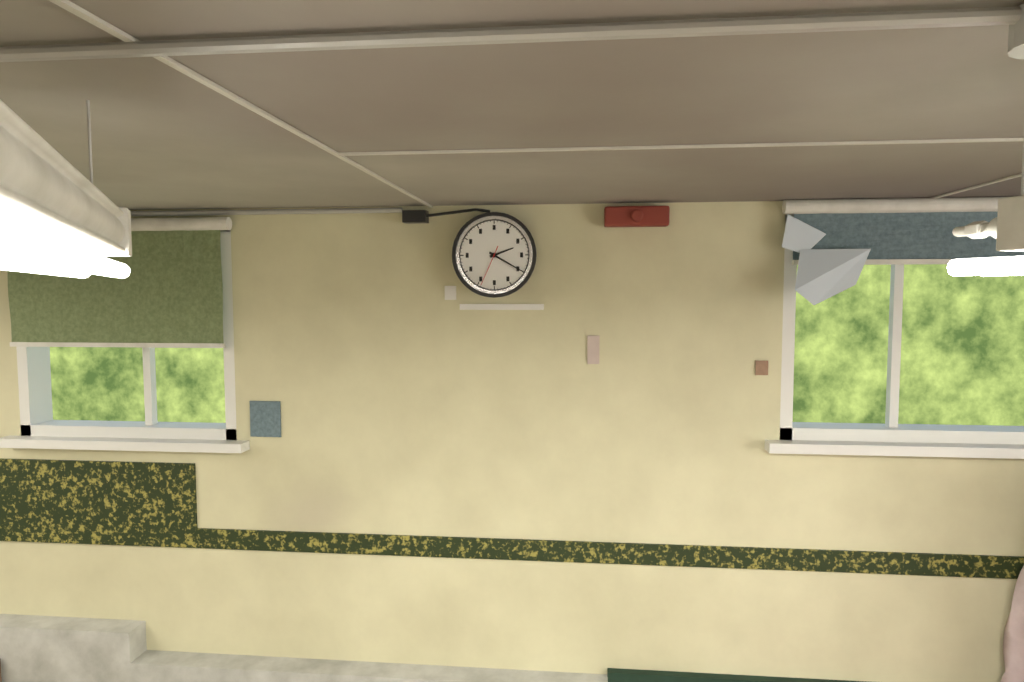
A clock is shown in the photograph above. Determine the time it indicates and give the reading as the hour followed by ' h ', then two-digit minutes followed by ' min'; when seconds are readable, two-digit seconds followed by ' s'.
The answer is 2 h 20 min
